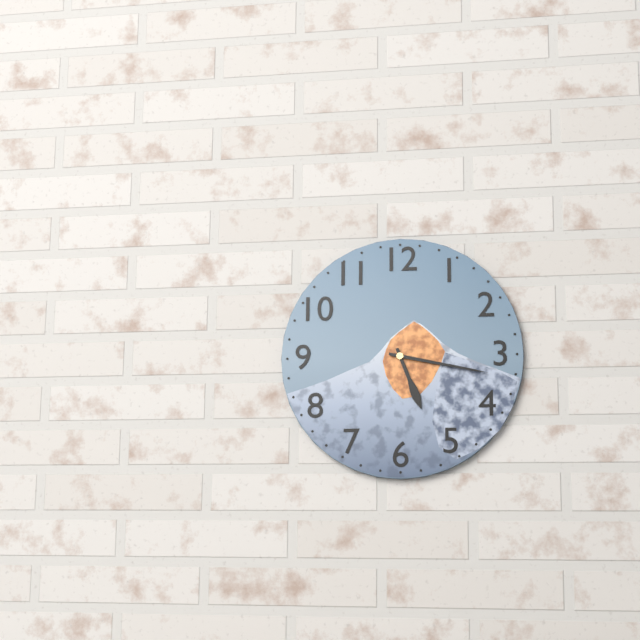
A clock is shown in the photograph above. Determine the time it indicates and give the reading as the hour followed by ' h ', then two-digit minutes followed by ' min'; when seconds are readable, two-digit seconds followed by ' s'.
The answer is 5 h 17 min
